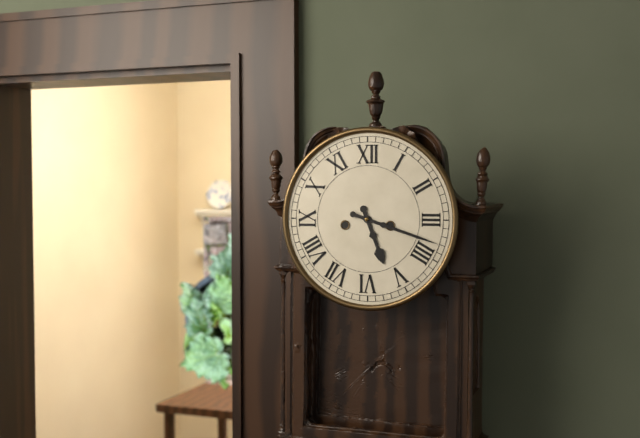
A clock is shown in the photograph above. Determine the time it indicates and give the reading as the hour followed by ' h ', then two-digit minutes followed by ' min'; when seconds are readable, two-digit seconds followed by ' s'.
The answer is 5 h 18 min
